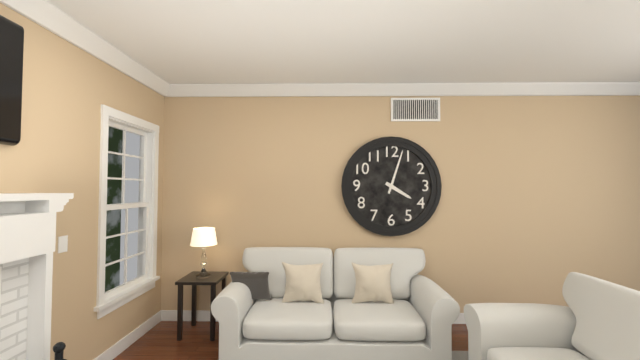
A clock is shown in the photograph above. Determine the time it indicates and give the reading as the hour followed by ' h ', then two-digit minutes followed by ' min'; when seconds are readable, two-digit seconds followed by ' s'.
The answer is 4 h 03 min
